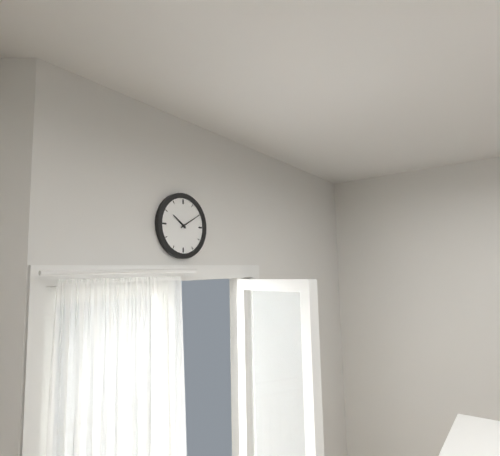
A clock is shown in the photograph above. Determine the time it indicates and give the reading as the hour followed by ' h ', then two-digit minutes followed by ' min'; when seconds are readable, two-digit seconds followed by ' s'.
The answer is 10 h 10 min
